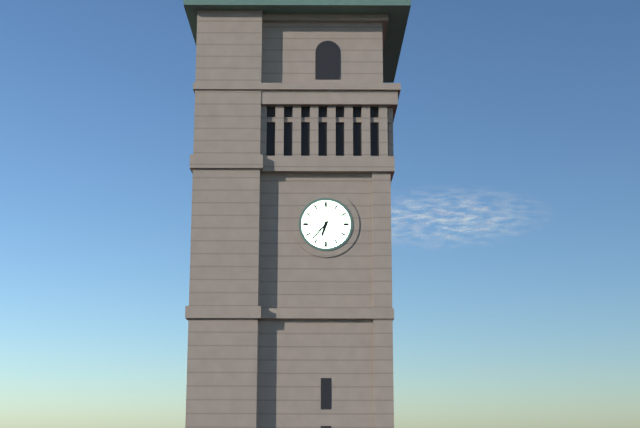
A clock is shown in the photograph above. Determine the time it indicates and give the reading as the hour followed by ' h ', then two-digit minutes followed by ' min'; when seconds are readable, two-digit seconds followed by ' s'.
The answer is 6 h 37 min
